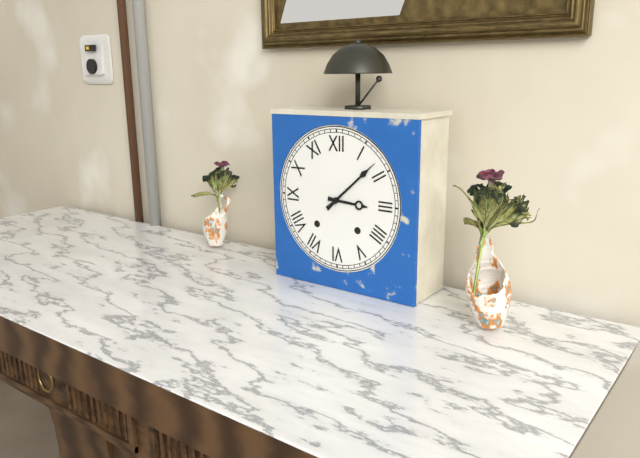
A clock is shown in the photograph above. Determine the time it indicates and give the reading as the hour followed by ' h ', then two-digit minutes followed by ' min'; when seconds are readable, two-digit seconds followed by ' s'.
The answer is 3 h 08 min
